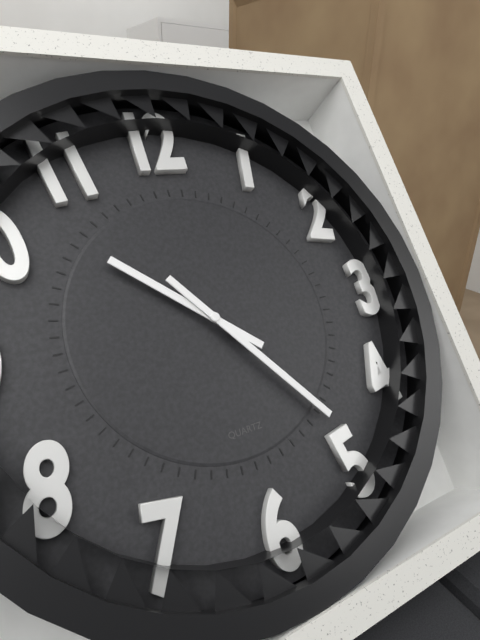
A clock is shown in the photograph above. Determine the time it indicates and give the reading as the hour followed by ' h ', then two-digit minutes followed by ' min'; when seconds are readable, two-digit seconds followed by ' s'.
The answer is 10 h 24 min
